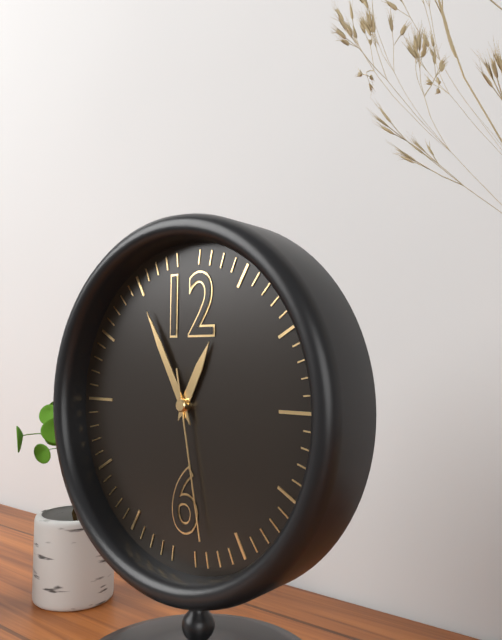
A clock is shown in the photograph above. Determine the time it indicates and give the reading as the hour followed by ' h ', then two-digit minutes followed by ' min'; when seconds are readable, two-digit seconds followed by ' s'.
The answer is 12 h 55 min 28 s
